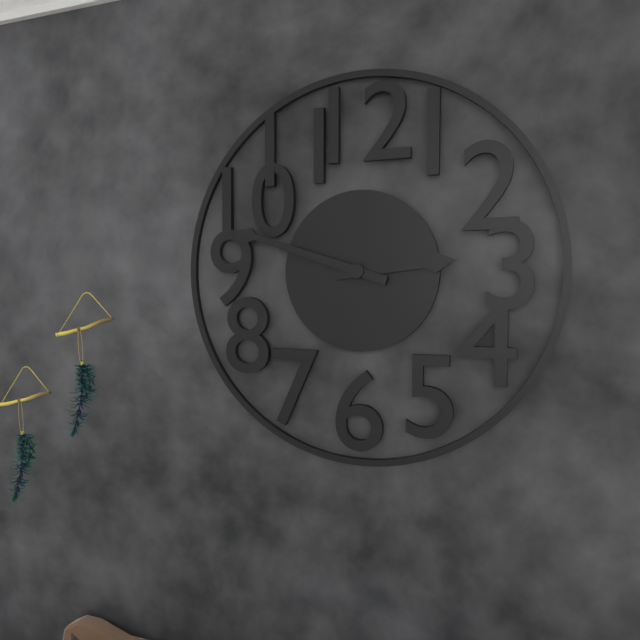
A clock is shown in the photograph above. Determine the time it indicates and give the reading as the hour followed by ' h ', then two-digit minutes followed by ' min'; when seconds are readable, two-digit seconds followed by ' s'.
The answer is 2 h 48 min
